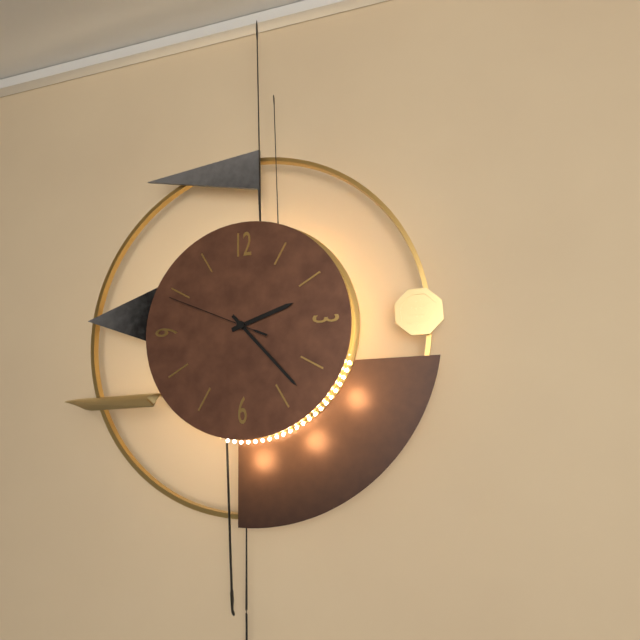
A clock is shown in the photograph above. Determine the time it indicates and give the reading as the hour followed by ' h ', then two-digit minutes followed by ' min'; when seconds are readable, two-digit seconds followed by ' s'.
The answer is 2 h 23 min 49 s
